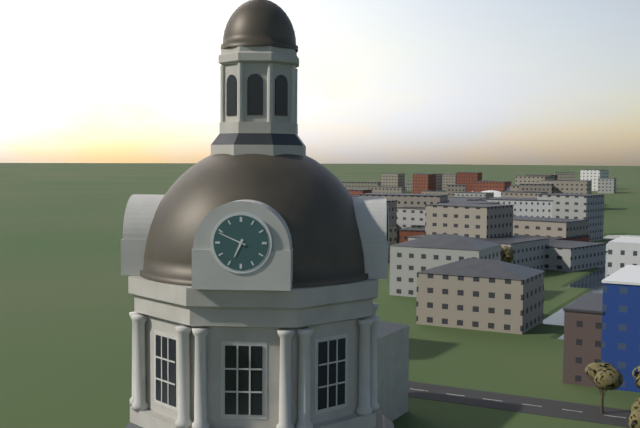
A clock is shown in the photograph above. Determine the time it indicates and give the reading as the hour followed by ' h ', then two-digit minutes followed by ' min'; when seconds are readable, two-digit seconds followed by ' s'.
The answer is 6 h 49 min
